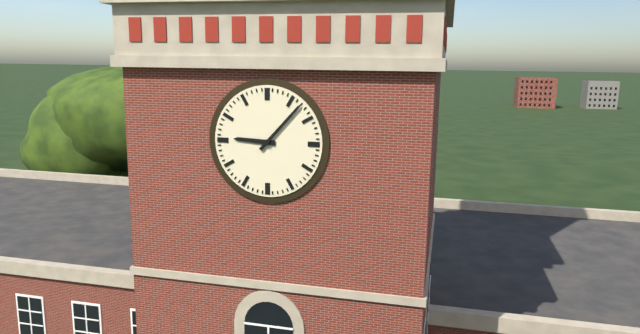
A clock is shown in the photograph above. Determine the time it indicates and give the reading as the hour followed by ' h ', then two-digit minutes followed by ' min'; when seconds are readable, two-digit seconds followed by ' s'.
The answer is 9 h 07 min
